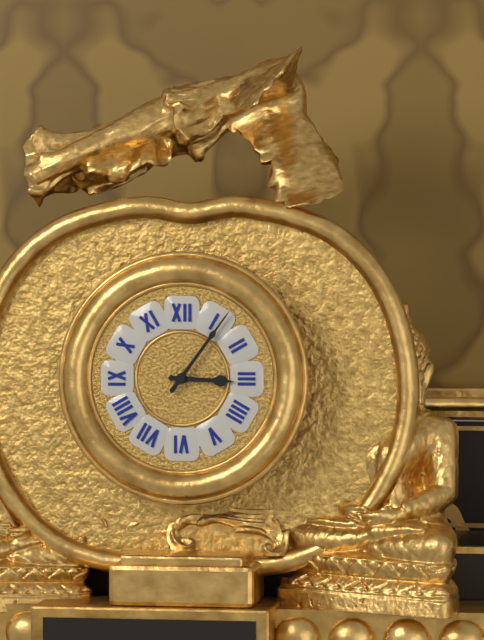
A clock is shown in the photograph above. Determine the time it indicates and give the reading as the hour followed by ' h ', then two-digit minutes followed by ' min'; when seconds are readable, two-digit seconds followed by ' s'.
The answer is 3 h 06 min
